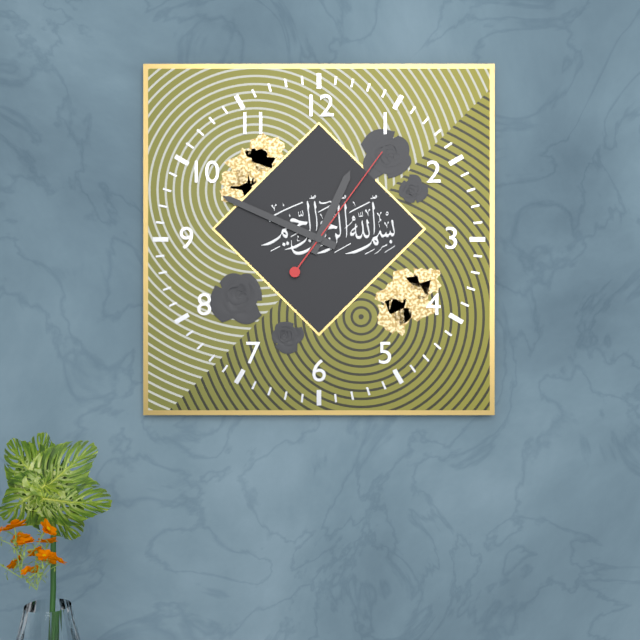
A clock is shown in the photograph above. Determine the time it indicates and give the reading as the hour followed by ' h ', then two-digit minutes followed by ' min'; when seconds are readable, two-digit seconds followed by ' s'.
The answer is 12 h 49 min 06 s
